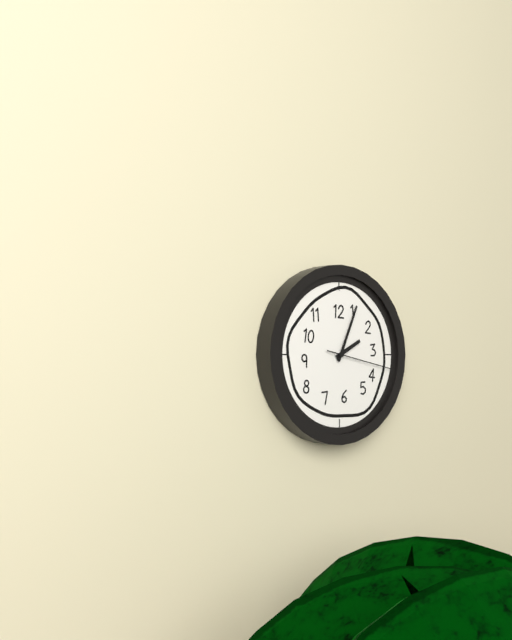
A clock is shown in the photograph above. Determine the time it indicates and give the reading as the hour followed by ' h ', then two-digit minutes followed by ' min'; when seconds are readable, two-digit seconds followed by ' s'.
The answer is 2 h 04 min 17 s
